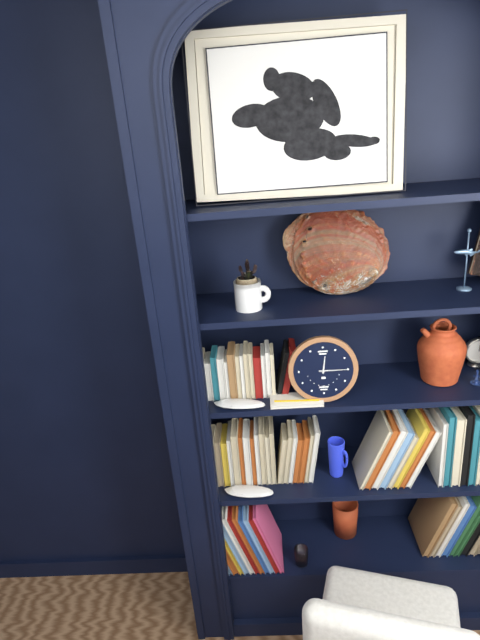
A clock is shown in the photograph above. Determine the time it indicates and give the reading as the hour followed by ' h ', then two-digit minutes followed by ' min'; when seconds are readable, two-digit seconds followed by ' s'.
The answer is 12 h 15 min
